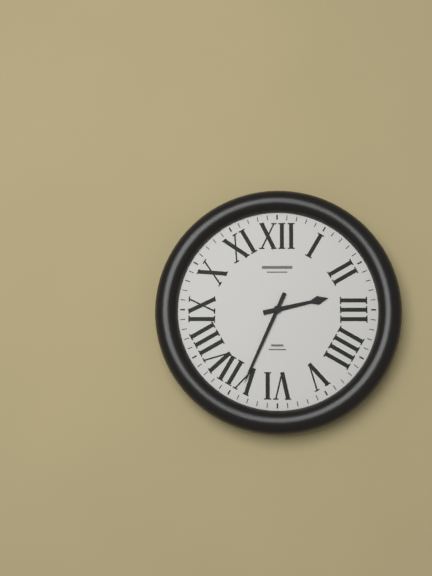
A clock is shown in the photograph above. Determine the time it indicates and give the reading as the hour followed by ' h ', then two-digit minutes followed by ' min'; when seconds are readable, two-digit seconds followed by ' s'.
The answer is 2 h 34 min
